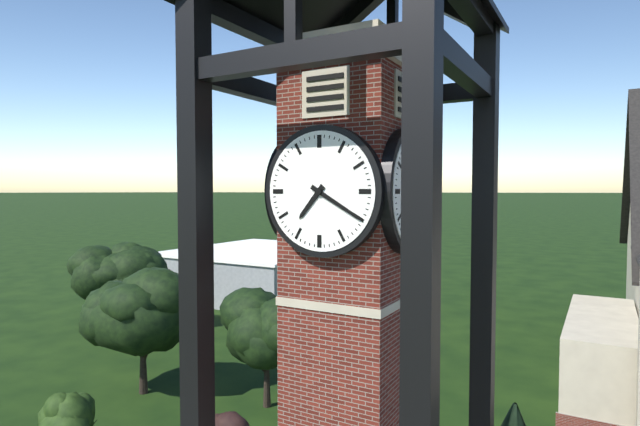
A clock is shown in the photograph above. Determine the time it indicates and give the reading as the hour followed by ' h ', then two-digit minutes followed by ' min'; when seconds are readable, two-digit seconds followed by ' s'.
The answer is 7 h 20 min
